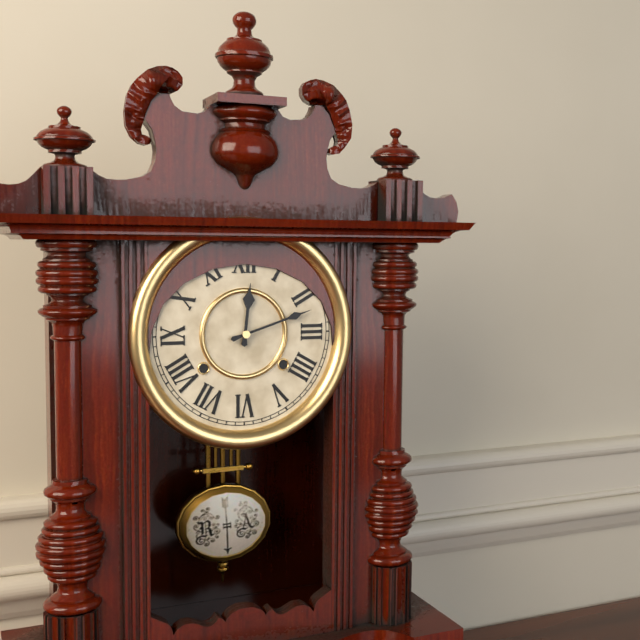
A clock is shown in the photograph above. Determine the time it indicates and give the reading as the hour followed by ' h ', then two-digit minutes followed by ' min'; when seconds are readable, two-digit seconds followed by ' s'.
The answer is 12 h 12 min
